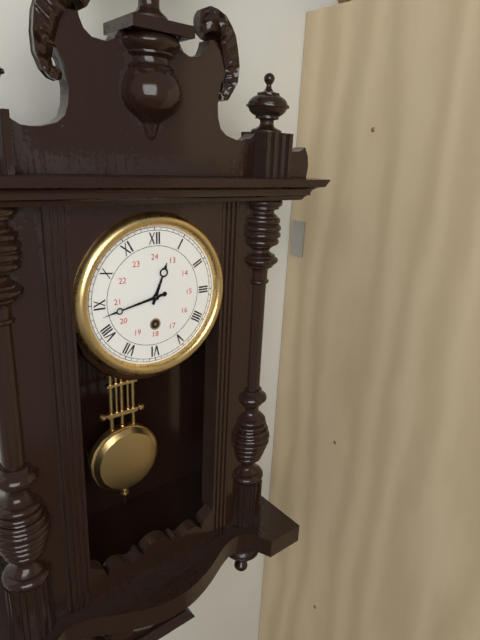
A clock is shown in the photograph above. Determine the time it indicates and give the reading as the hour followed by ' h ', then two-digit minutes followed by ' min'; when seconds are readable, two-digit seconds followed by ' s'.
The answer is 12 h 43 min
